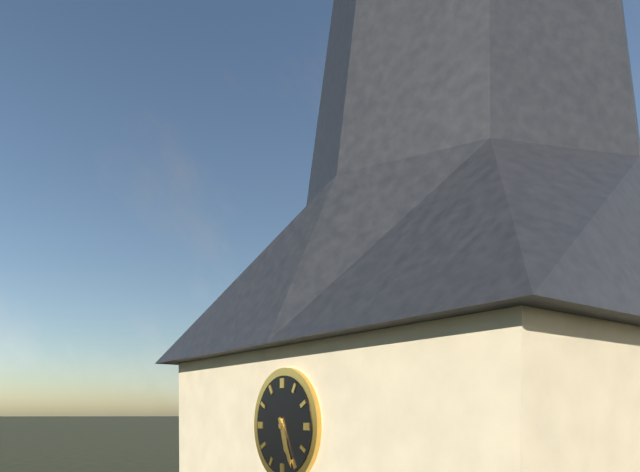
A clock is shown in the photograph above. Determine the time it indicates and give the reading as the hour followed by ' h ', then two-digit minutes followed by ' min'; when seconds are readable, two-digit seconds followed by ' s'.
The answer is 5 h 26 min
